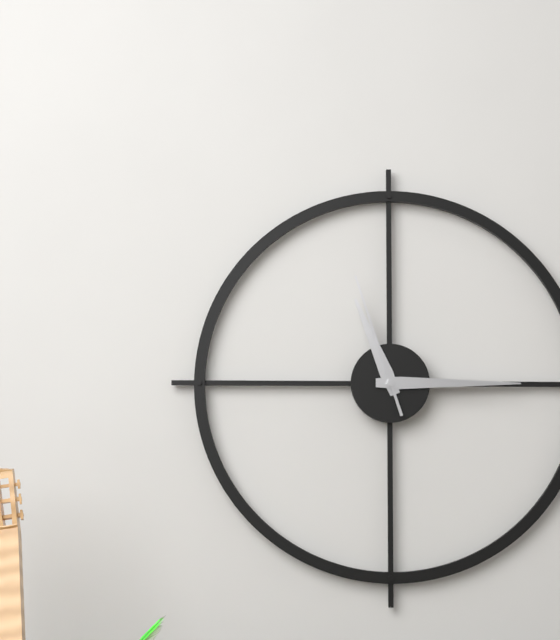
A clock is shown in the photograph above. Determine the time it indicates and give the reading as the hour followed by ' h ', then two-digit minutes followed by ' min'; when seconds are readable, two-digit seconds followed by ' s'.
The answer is 11 h 15 min 57 s
